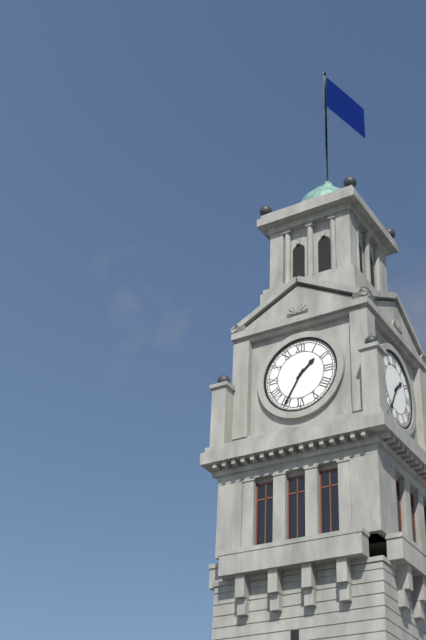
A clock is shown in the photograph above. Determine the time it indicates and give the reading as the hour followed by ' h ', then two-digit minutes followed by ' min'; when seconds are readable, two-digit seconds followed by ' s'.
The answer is 1 h 35 min
